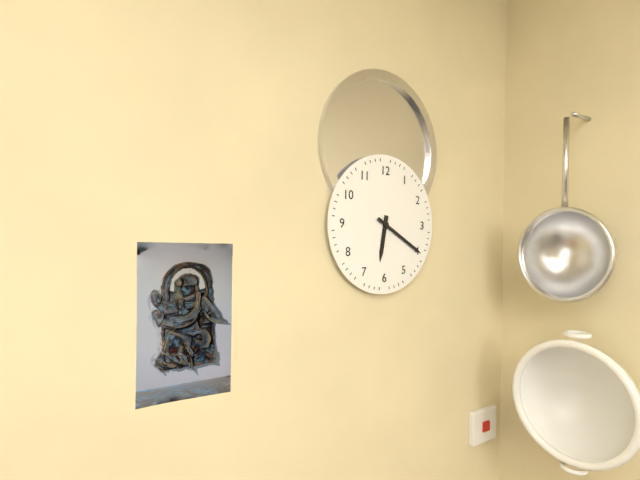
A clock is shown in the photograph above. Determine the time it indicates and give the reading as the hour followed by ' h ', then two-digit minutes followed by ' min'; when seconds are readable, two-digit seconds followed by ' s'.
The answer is 6 h 20 min
